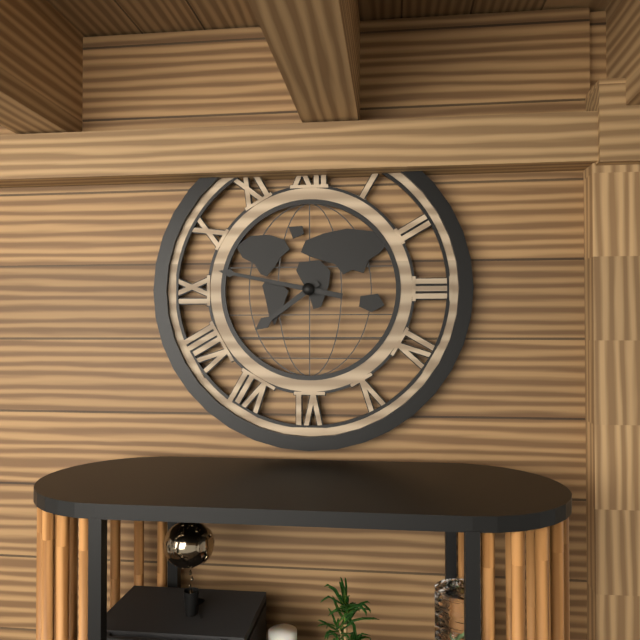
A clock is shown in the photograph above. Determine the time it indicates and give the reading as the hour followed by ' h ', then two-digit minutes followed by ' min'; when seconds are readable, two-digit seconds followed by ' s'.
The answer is 7 h 47 min
